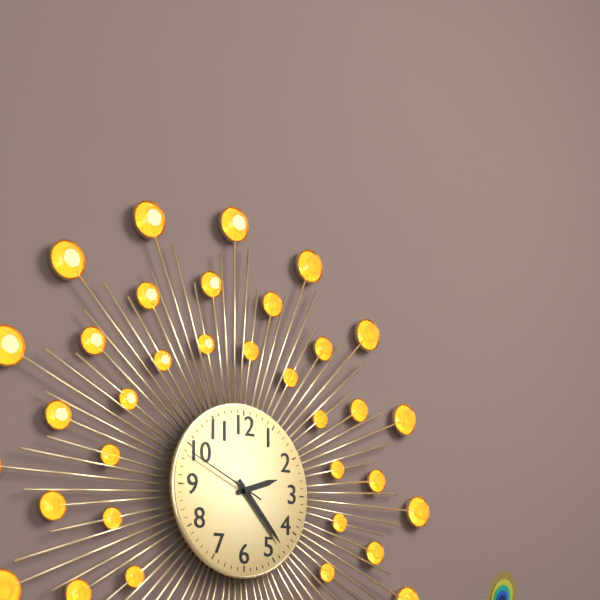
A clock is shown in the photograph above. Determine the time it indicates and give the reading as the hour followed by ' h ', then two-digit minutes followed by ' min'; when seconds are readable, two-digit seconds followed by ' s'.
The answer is 2 h 23 min 49 s
